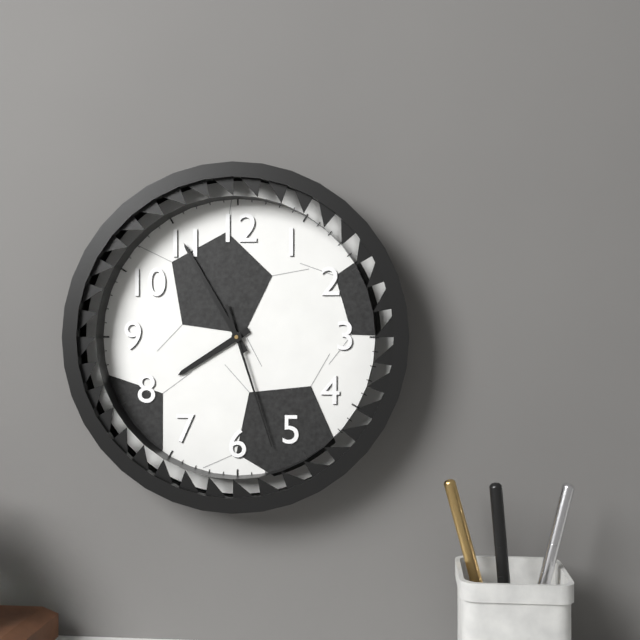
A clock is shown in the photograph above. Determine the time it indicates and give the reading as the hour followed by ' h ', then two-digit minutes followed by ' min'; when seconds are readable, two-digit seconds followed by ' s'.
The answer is 7 h 55 min 27 s
